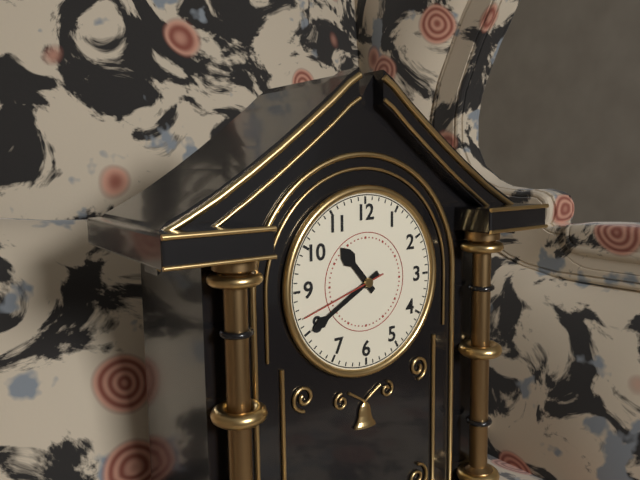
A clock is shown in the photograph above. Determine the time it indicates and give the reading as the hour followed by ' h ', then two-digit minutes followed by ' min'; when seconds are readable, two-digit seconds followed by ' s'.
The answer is 10 h 40 min 42 s
